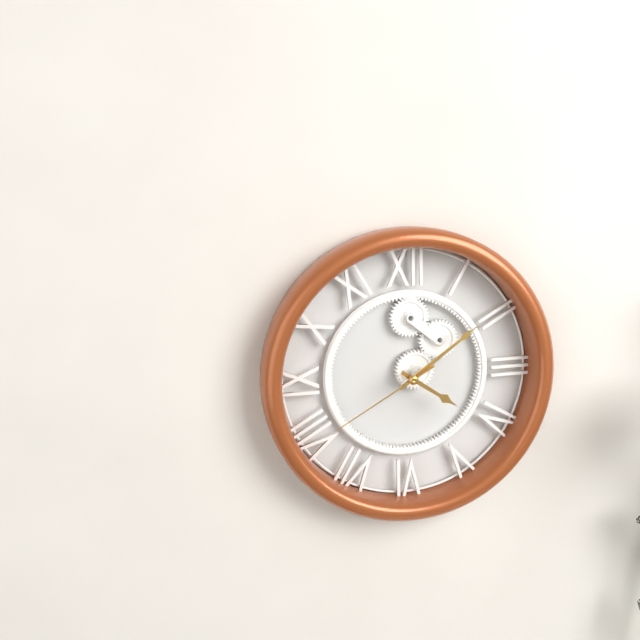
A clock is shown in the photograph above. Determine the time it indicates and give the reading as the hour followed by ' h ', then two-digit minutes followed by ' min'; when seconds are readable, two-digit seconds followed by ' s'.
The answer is 4 h 09 min 40 s
